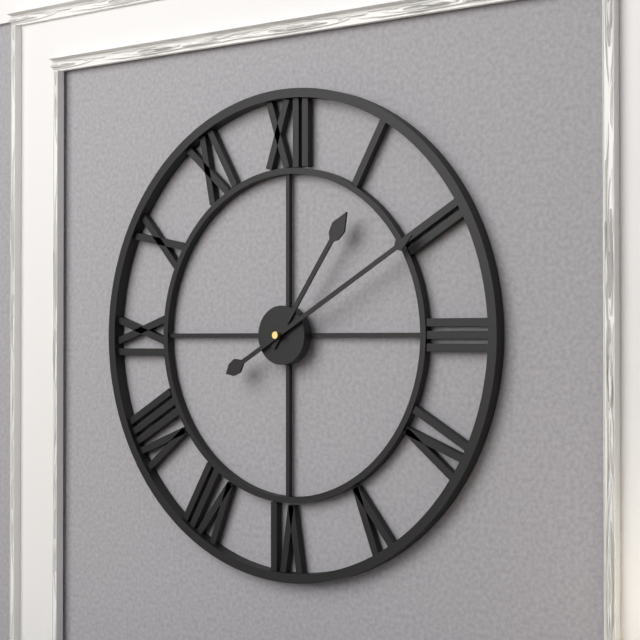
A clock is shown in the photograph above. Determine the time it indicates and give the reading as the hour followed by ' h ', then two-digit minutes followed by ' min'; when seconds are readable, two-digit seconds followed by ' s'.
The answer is 1 h 10 min
